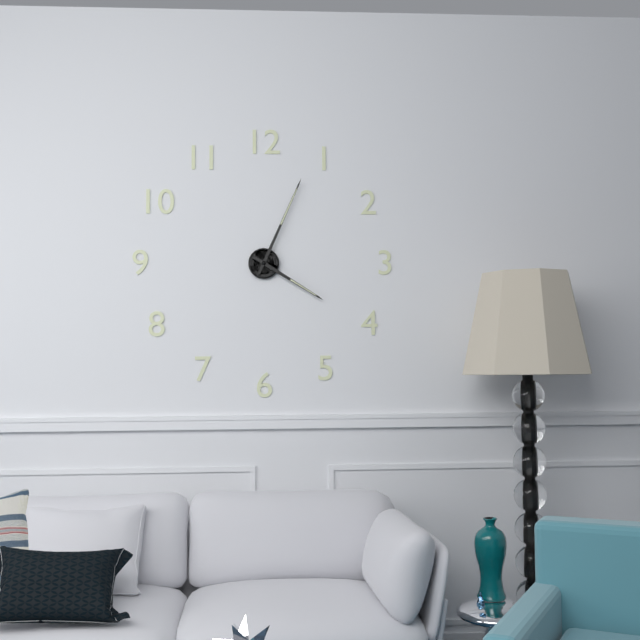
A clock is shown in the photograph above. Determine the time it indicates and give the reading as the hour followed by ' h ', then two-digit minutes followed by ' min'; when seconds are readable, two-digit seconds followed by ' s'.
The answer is 4 h 04 min
